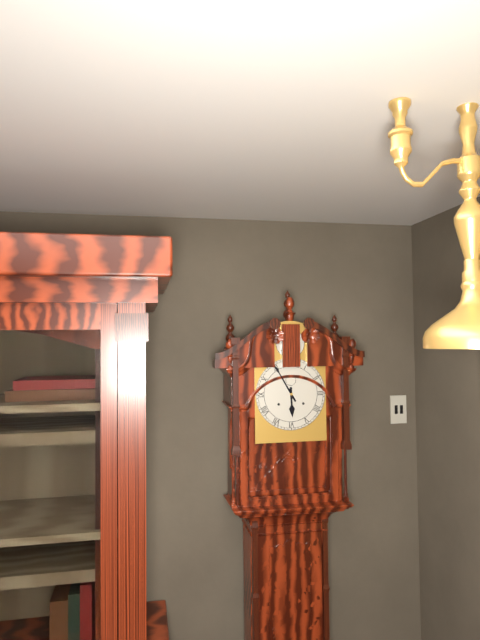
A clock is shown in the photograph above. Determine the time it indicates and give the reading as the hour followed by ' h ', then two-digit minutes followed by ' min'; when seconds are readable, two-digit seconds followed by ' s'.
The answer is 5 h 55 min
